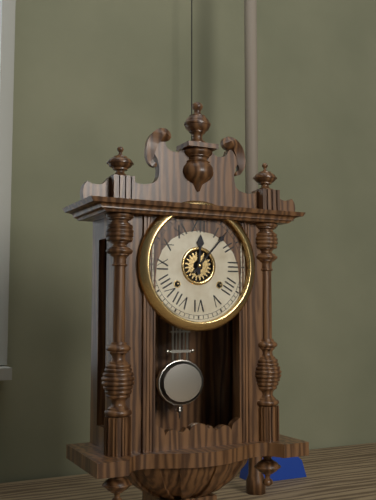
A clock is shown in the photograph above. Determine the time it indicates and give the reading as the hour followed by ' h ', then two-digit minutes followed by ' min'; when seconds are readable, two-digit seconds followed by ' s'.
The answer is 12 h 07 min
